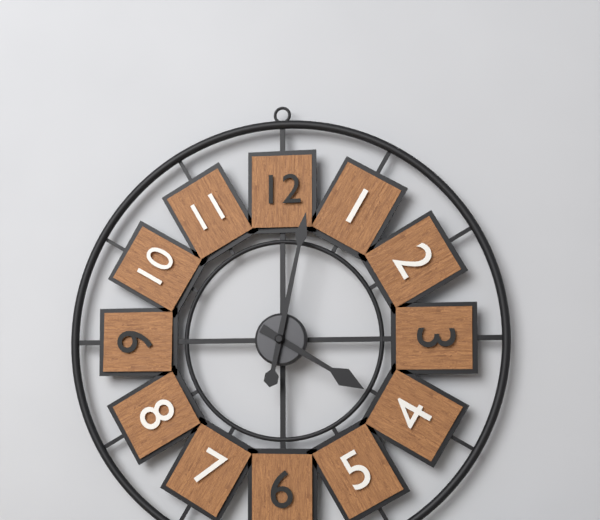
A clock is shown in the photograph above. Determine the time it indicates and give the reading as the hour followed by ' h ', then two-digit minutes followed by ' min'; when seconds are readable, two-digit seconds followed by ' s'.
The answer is 4 h 02 min
